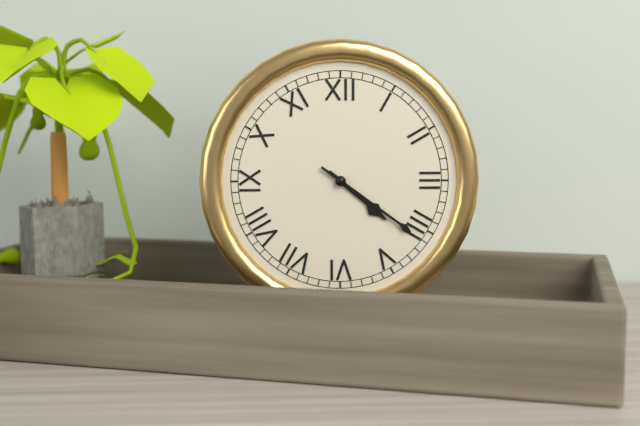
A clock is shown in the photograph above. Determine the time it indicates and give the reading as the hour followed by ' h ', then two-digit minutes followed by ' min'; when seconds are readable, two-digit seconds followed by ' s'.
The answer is 4 h 21 min
